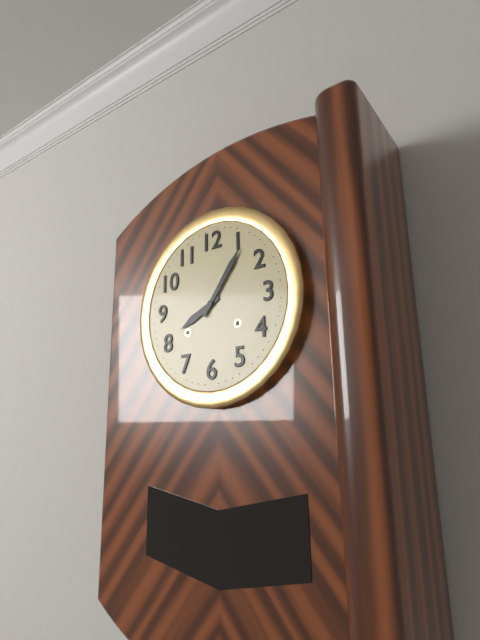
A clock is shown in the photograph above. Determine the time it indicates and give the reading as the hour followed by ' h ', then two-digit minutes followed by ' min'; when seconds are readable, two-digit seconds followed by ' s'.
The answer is 8 h 06 min
